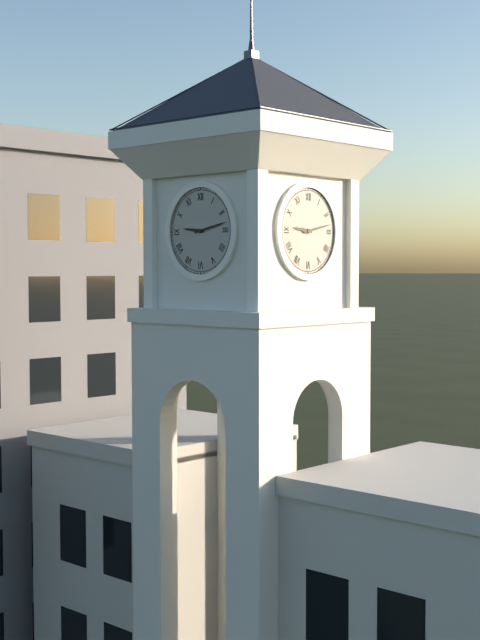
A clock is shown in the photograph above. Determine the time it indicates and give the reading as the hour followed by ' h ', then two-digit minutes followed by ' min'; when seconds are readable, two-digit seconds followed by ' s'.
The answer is 9 h 13 min
